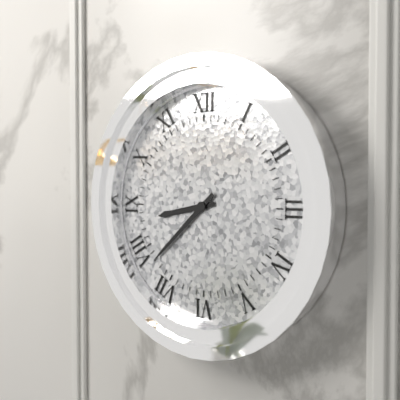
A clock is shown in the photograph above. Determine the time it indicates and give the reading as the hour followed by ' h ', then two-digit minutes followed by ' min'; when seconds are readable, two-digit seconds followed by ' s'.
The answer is 8 h 38 min
